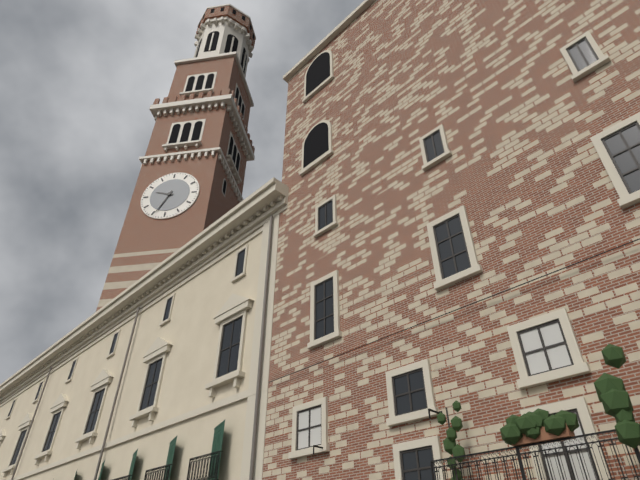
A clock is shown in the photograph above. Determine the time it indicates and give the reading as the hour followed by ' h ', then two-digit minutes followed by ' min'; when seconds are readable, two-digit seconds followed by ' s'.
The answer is 9 h 34 min
